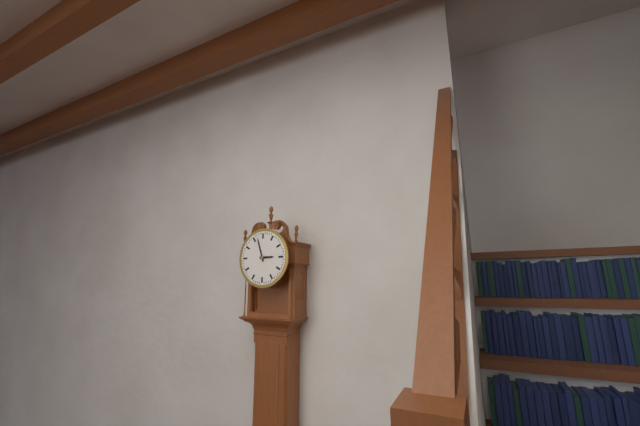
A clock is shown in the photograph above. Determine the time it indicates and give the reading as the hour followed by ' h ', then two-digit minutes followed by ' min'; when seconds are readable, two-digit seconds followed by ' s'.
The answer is 2 h 57 min
